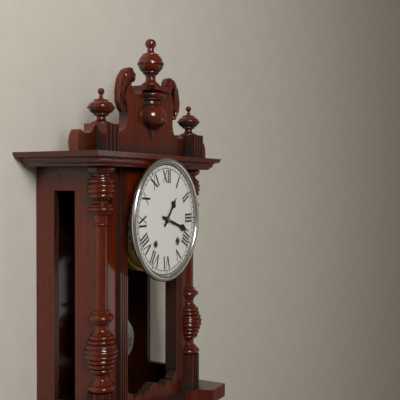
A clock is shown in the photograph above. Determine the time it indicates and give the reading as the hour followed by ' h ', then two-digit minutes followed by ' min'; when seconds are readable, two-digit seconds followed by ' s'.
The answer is 1 h 18 min
